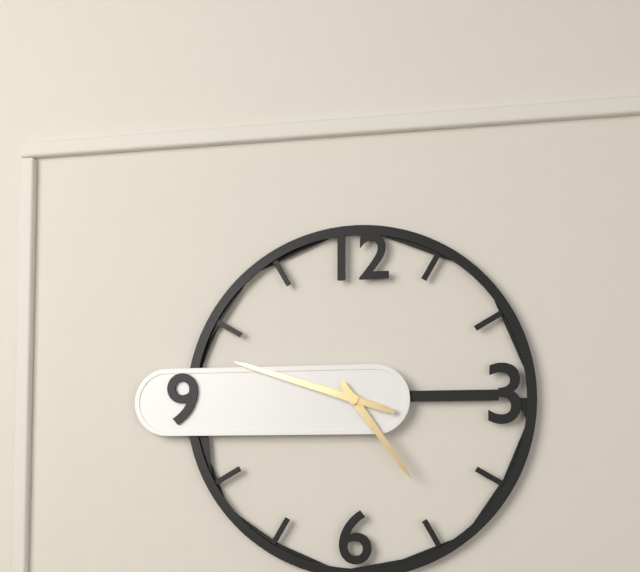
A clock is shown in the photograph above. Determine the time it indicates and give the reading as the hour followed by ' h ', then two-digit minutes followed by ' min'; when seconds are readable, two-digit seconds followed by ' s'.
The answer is 4 h 48 min
